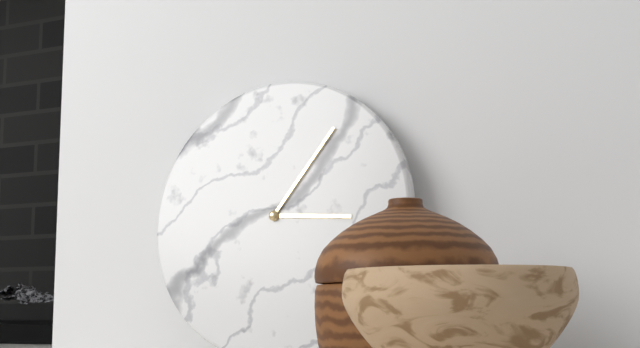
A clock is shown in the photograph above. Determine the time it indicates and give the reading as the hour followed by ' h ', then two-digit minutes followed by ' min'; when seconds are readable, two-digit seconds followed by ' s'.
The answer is 3 h 06 min
